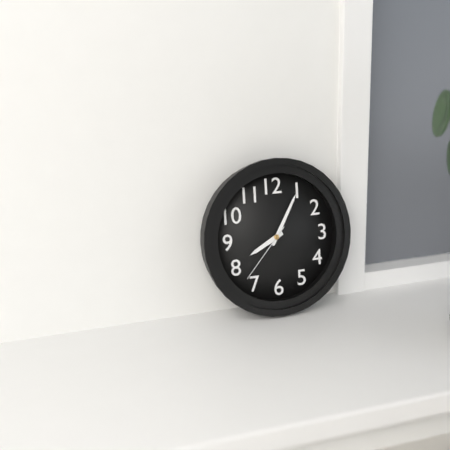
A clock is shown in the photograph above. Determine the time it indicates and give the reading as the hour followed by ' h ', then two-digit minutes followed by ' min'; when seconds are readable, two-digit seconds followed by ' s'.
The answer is 8 h 05 min 37 s
